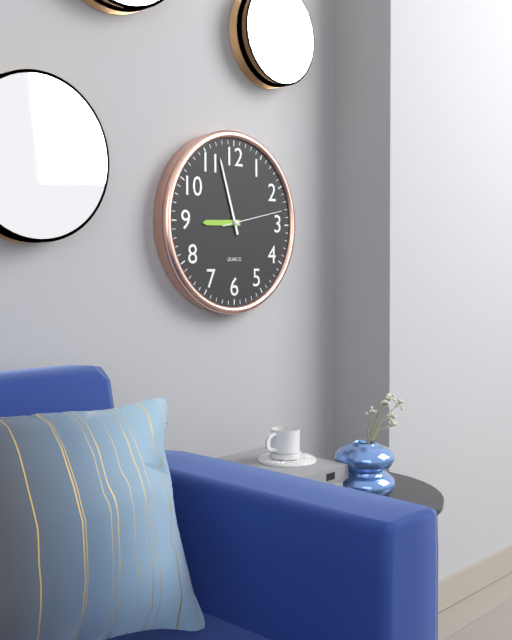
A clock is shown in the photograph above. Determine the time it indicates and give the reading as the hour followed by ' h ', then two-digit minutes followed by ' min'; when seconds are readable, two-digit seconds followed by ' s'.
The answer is 8 h 57 min 13 s
